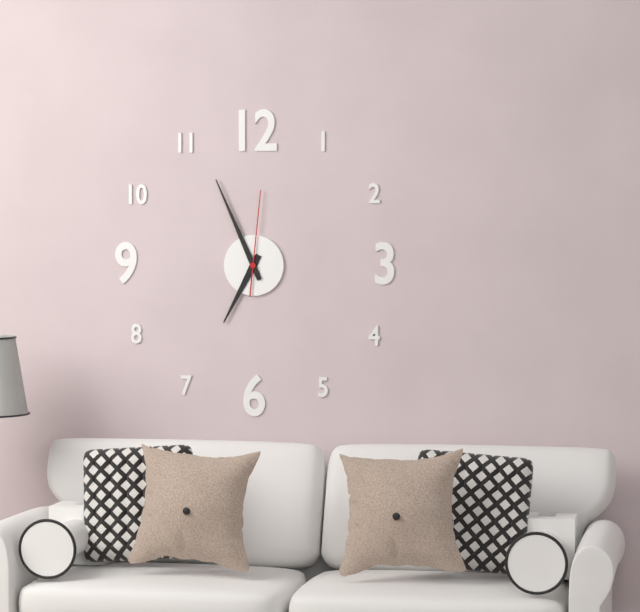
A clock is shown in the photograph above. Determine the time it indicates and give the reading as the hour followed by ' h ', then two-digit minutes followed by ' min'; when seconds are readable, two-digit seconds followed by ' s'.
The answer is 6 h 56 min 01 s
